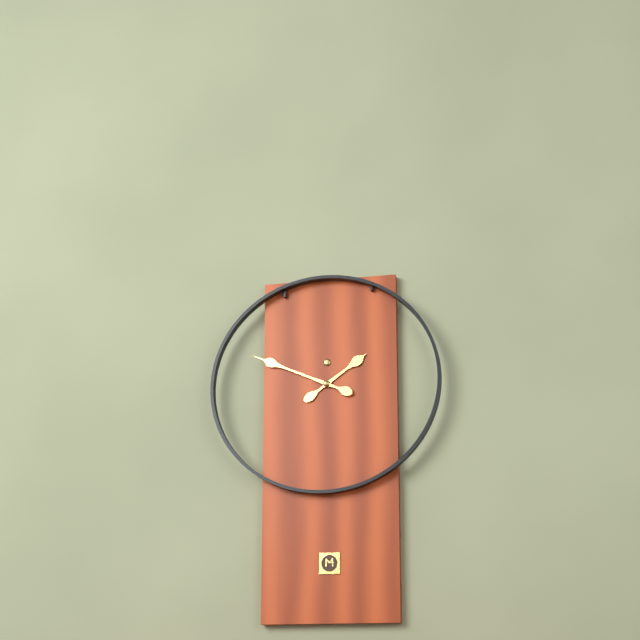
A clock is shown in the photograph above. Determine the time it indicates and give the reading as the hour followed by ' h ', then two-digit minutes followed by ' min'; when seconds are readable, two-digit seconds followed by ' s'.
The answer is 1 h 49 min
